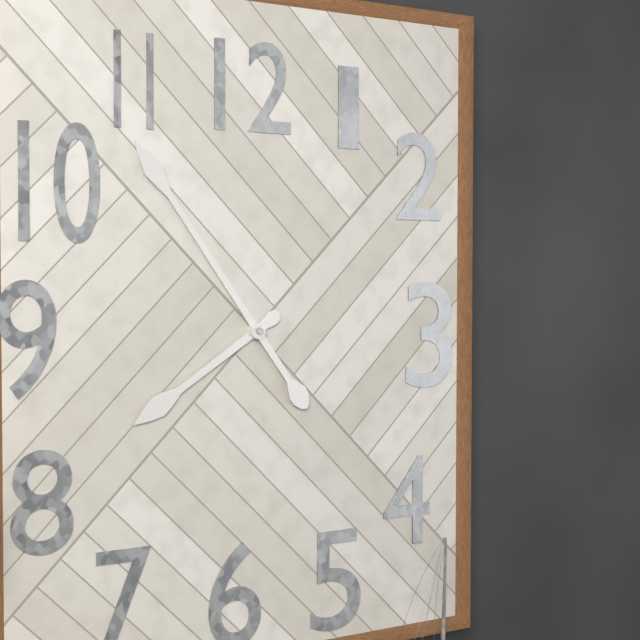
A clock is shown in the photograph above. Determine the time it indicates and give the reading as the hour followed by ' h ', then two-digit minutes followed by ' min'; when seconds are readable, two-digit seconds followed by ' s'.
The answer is 7 h 54 min
